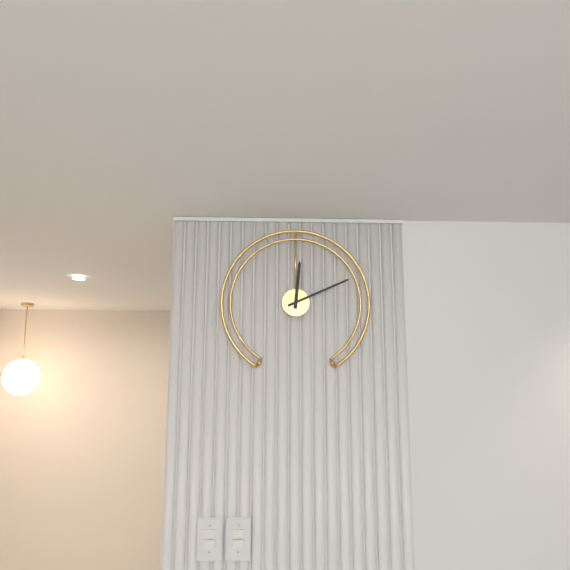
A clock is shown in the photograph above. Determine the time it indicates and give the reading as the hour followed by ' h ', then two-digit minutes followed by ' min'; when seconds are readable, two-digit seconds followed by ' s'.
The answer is 12 h 11 min
